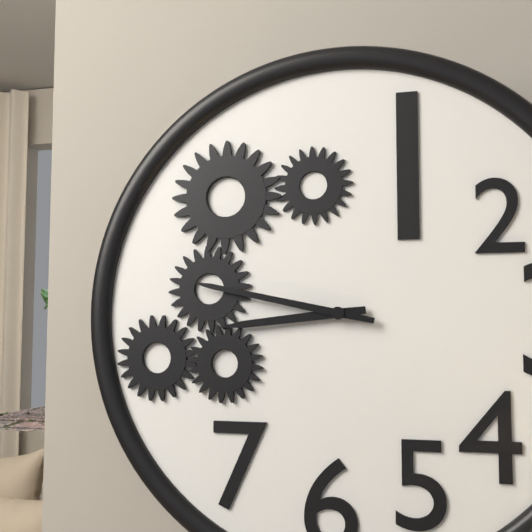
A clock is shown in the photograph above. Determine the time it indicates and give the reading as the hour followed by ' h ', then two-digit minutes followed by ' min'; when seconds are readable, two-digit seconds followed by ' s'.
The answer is 8 h 47 min
